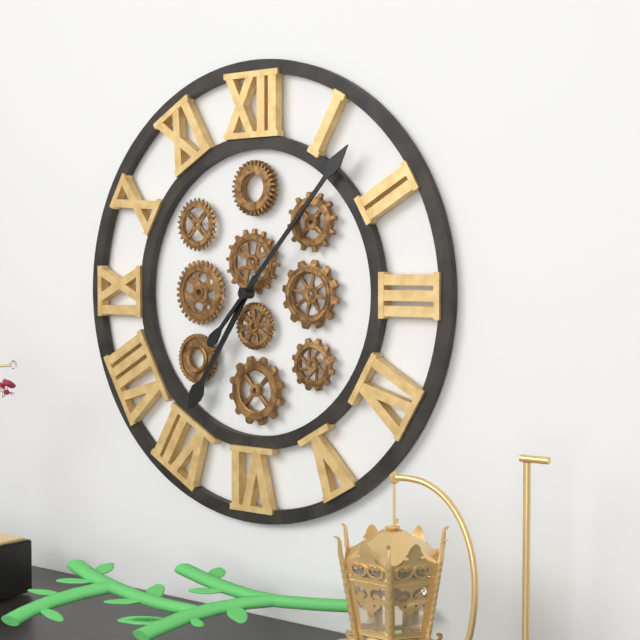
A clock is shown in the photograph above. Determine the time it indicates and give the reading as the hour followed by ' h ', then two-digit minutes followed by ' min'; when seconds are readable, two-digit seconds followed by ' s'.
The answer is 7 h 07 min
